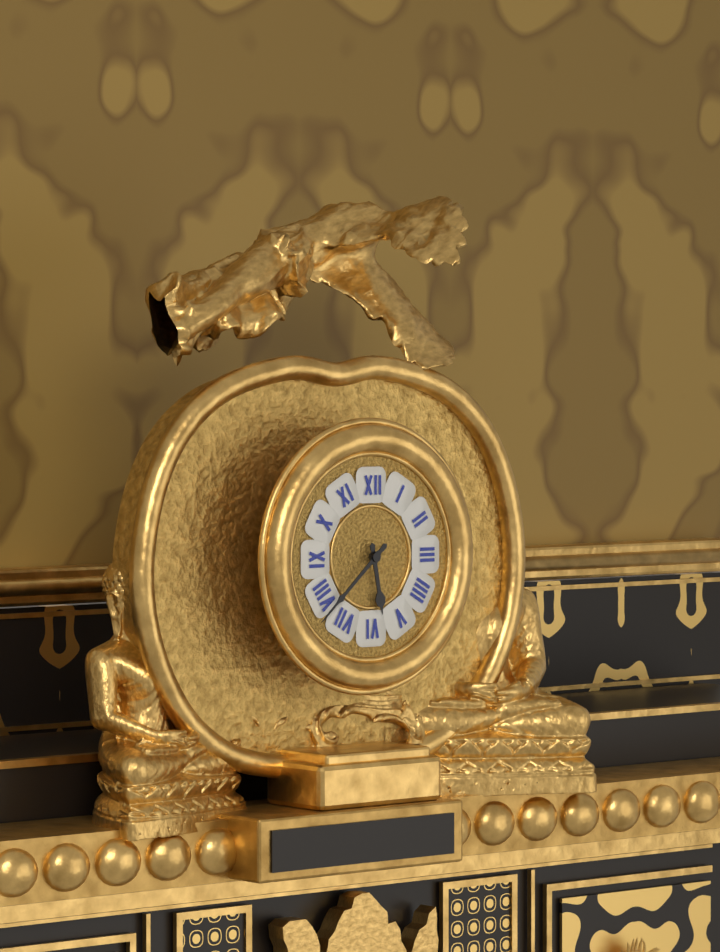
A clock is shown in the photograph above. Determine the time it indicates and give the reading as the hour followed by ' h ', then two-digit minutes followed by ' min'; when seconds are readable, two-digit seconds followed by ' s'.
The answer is 5 h 38 min
